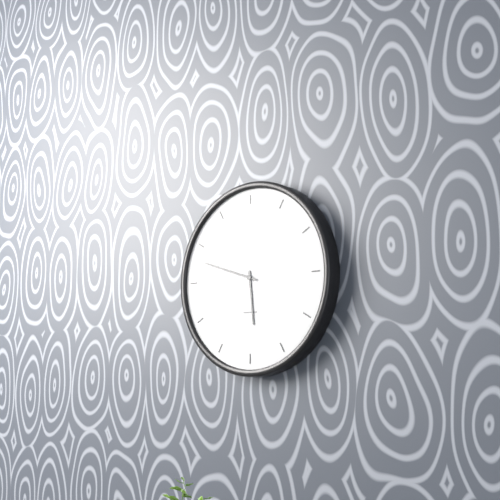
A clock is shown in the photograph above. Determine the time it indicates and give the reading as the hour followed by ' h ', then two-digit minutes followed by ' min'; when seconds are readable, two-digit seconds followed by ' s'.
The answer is 5 h 48 min
